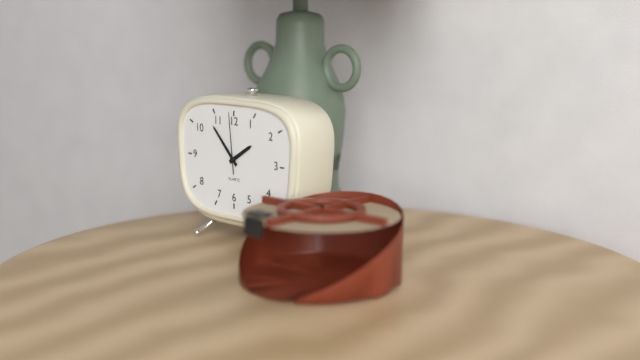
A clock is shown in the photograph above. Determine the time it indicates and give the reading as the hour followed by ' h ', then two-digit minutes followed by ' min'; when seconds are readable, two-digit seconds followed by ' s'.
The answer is 1 h 53 min 59 s
